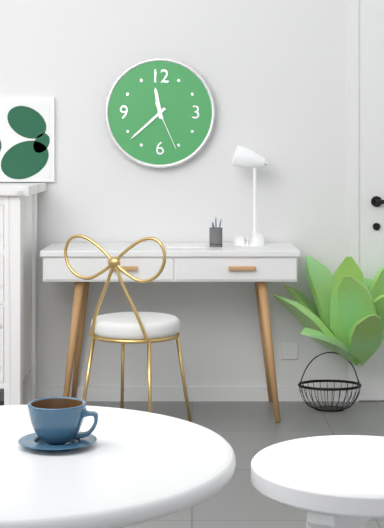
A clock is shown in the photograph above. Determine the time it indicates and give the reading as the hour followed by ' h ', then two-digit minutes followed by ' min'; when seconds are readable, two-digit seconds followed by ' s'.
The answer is 11 h 38 min 26 s
